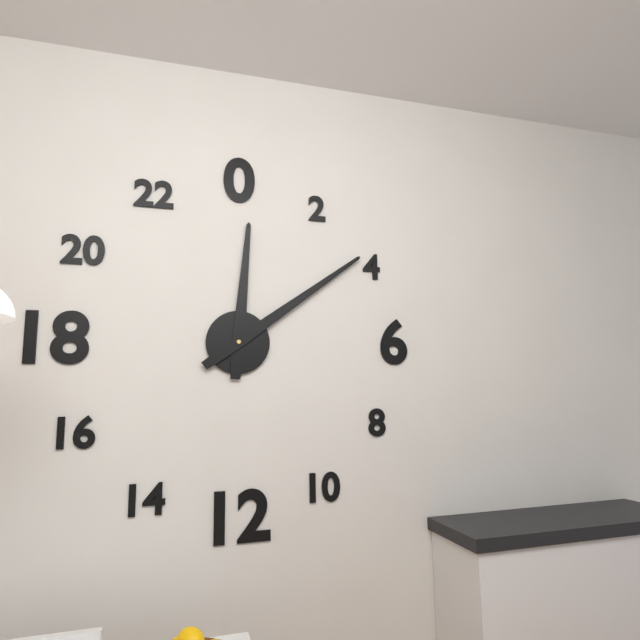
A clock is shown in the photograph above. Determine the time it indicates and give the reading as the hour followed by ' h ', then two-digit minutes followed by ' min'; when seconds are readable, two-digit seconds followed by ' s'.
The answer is 12 h 09 min
